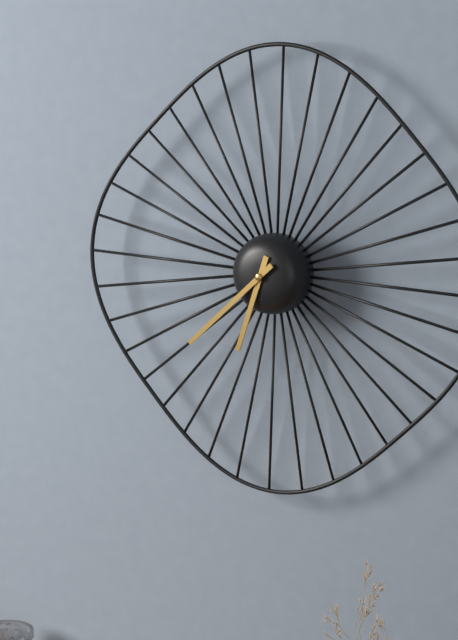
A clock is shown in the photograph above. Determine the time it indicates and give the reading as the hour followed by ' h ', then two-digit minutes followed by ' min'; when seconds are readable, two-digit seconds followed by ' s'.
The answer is 6 h 38 min
